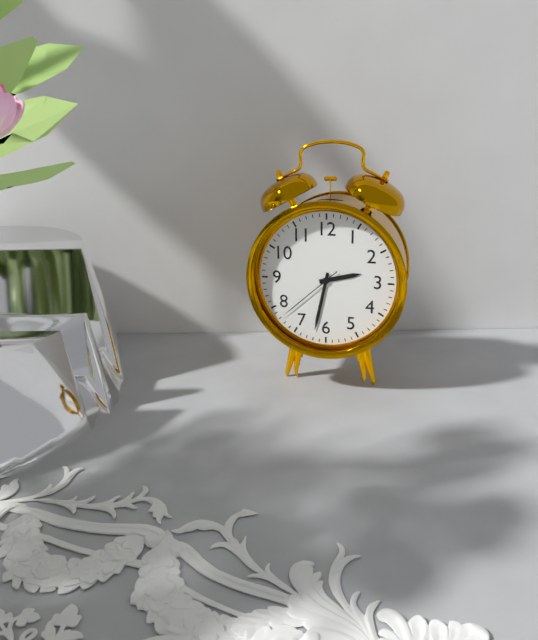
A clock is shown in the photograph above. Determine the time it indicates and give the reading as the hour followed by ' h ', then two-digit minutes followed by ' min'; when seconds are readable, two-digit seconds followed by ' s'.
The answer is 2 h 32 min 38 s
